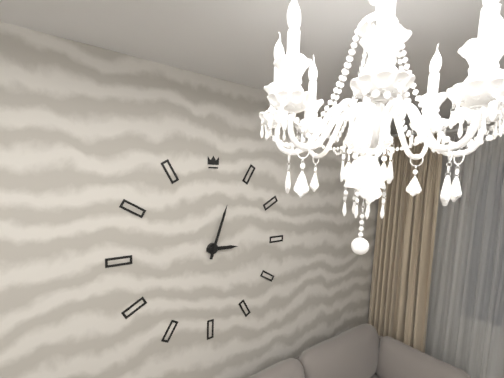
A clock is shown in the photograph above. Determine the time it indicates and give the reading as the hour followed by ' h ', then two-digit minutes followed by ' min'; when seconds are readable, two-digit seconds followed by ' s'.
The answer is 3 h 03 min
